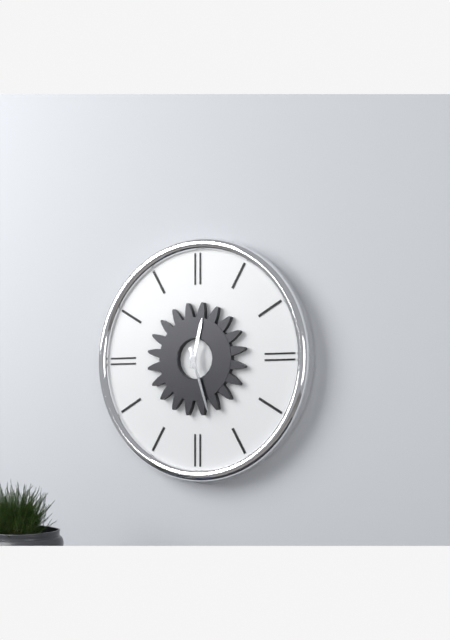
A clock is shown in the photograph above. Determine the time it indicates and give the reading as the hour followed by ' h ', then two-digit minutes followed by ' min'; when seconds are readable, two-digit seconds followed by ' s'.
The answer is 12 h 27 min
